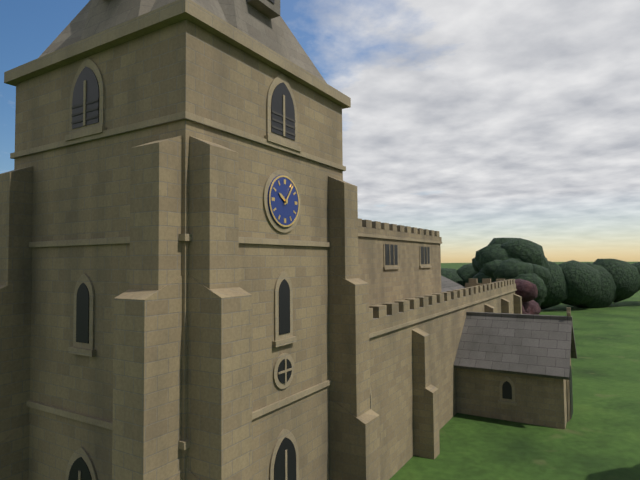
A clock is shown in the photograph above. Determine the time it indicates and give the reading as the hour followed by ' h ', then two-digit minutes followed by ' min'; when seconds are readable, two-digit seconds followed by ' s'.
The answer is 10 h 06 min
